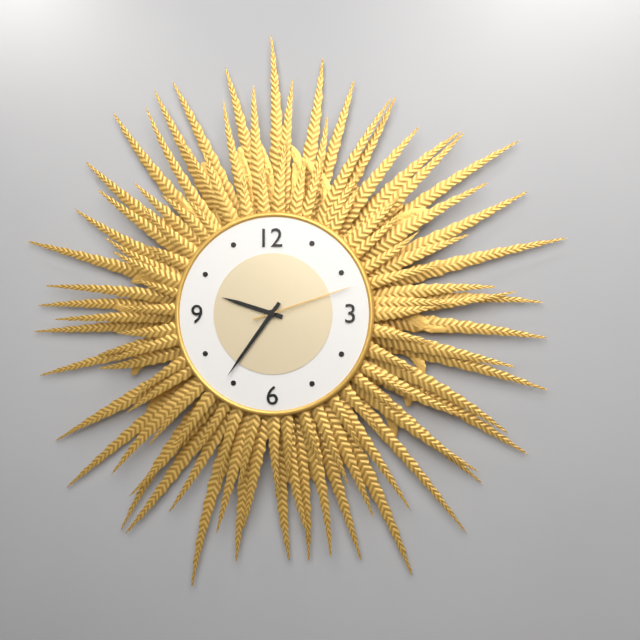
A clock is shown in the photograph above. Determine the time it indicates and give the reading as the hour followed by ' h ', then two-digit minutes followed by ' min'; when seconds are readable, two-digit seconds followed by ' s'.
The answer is 9 h 36 min 12 s
